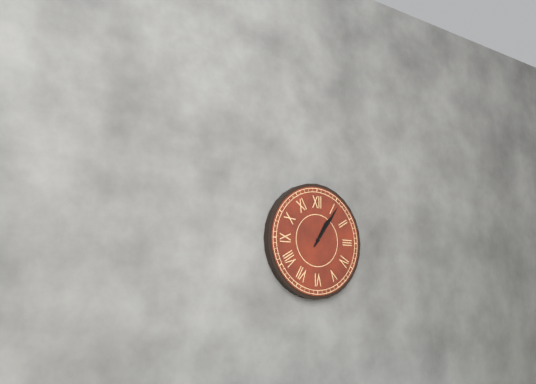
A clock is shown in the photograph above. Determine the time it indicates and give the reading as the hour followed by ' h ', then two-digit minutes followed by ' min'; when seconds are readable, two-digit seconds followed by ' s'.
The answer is 1 h 06 min
